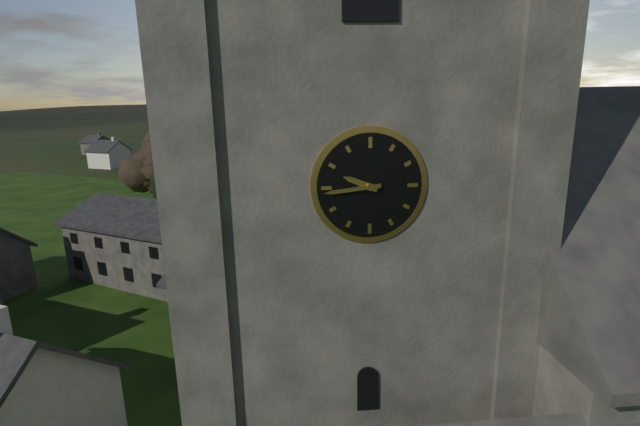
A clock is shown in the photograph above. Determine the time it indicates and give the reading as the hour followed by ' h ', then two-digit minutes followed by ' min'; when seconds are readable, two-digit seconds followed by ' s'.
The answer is 9 h 44 min
